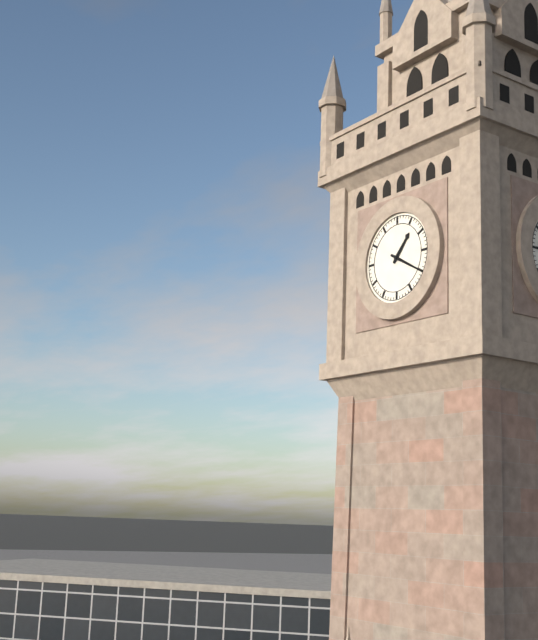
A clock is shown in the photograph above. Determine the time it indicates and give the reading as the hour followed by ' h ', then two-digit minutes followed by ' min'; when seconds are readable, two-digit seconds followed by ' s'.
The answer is 1 h 20 min
